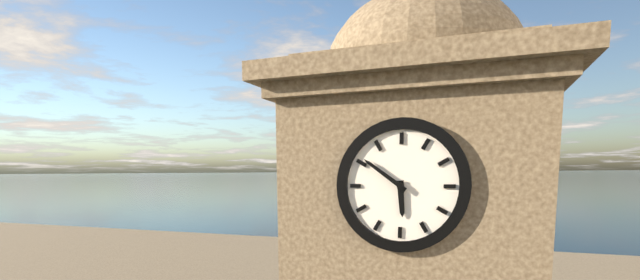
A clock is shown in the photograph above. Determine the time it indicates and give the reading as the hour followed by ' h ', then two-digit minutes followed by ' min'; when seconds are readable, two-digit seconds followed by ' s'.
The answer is 5 h 51 min
